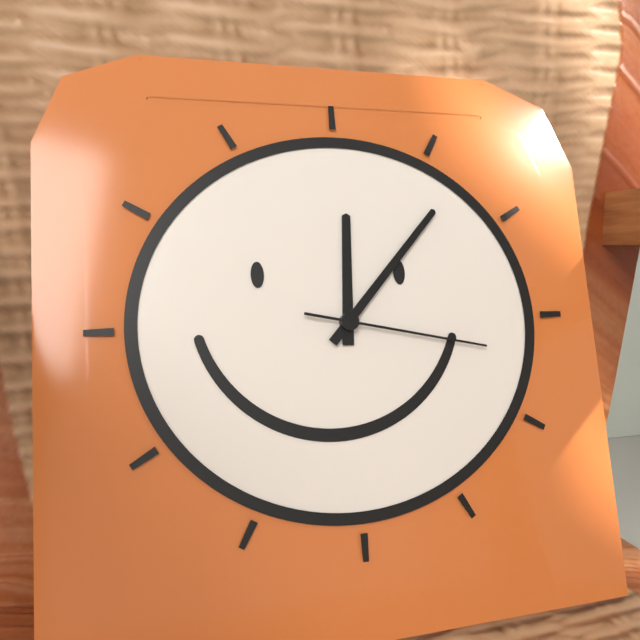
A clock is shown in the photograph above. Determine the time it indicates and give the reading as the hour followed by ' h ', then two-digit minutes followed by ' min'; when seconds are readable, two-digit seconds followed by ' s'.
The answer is 12 h 07 min 17 s
